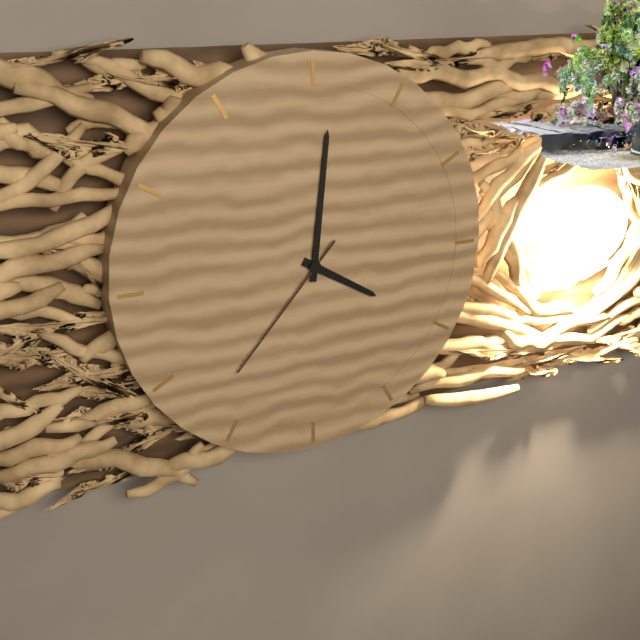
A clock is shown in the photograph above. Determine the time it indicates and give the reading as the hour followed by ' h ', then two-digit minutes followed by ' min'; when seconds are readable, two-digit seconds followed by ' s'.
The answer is 4 h 01 min 37 s
